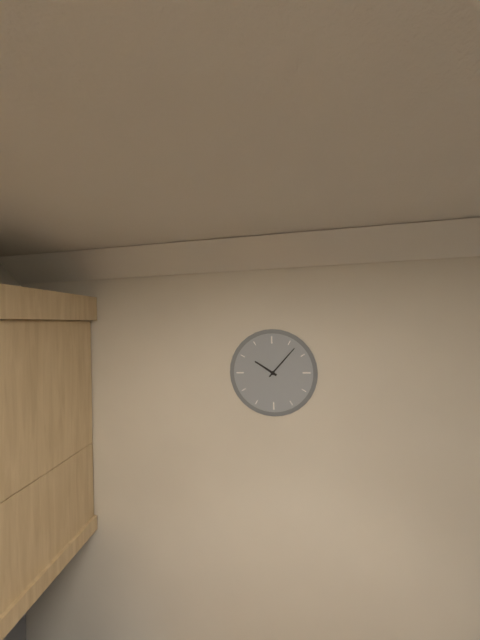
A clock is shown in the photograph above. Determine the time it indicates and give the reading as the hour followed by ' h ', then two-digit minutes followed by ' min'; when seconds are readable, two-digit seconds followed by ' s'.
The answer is 10 h 07 min
